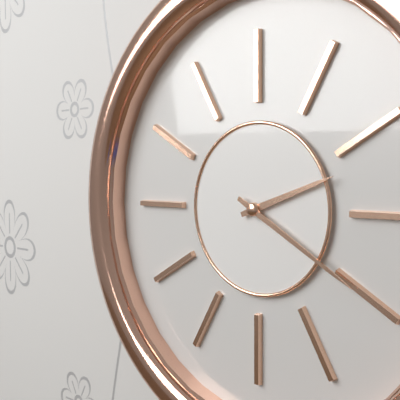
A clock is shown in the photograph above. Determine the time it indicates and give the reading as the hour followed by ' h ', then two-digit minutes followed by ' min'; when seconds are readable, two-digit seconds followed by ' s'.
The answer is 2 h 20 min
